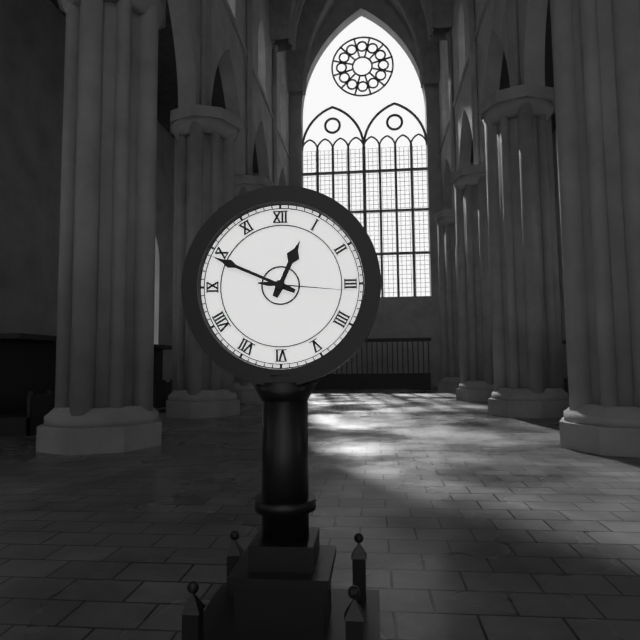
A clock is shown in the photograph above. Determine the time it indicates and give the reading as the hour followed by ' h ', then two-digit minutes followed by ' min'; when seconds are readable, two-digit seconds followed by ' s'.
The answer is 12 h 49 min 16 s
